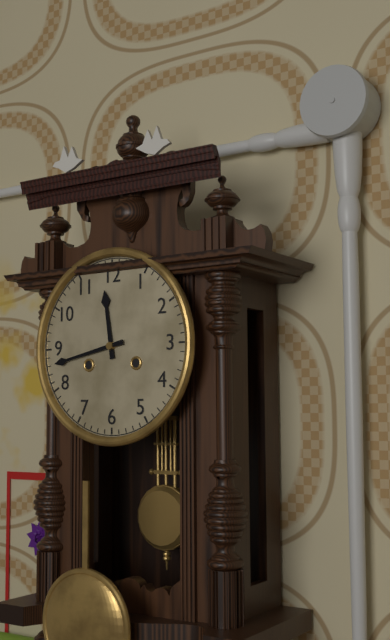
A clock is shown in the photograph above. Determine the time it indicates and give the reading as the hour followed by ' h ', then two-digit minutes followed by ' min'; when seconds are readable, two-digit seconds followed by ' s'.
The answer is 11 h 43 min
